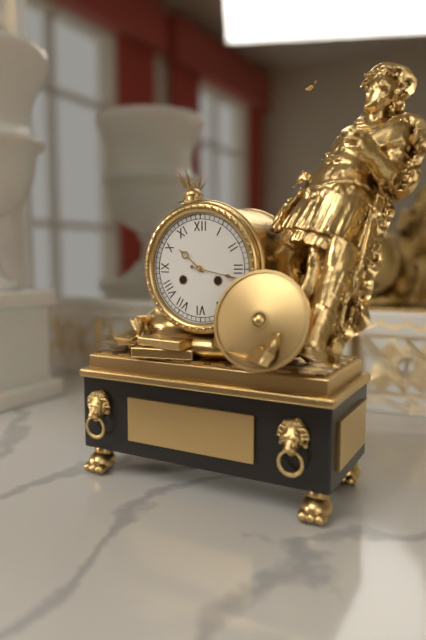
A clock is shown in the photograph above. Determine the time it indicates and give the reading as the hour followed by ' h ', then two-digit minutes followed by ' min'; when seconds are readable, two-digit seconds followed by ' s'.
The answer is 10 h 17 min
